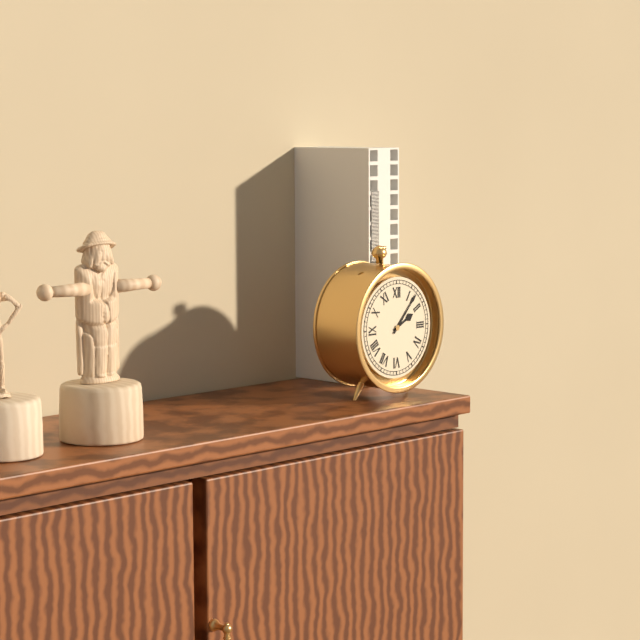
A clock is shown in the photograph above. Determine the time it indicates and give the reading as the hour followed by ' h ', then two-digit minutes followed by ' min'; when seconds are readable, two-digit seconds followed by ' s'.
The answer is 2 h 07 min
